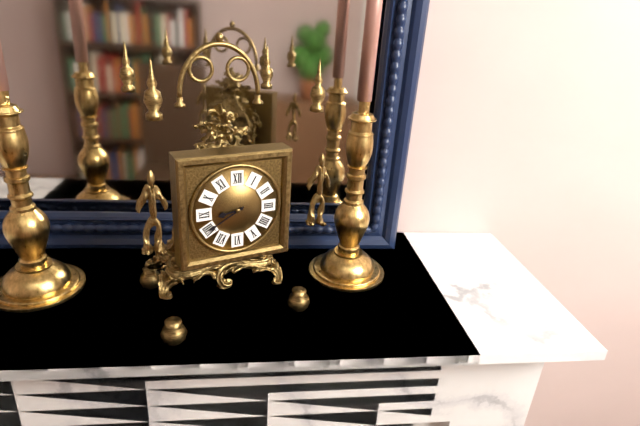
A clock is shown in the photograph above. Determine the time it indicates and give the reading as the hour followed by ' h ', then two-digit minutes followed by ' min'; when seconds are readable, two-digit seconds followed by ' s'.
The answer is 8 h 40 min
